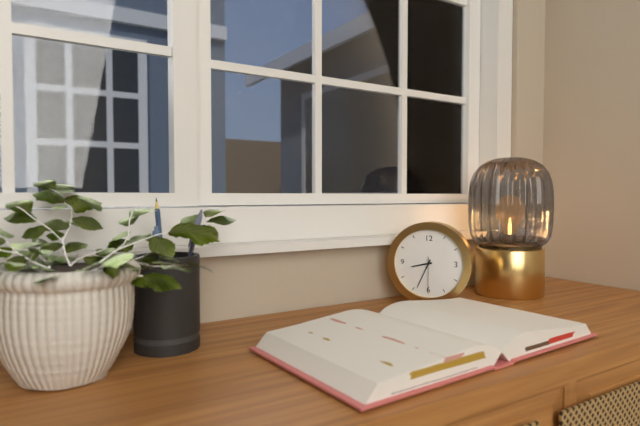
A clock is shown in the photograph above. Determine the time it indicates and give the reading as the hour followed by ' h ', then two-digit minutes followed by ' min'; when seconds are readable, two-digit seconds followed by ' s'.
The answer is 8 h 34 min
